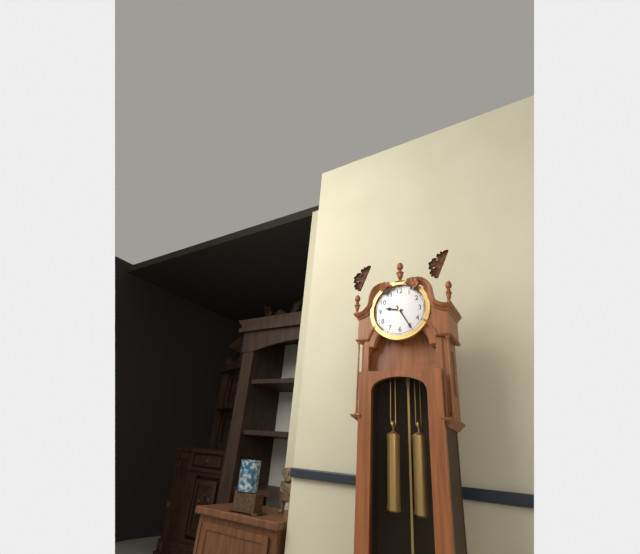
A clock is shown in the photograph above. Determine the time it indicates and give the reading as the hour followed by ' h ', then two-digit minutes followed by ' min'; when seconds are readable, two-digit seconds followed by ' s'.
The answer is 9 h 25 min
